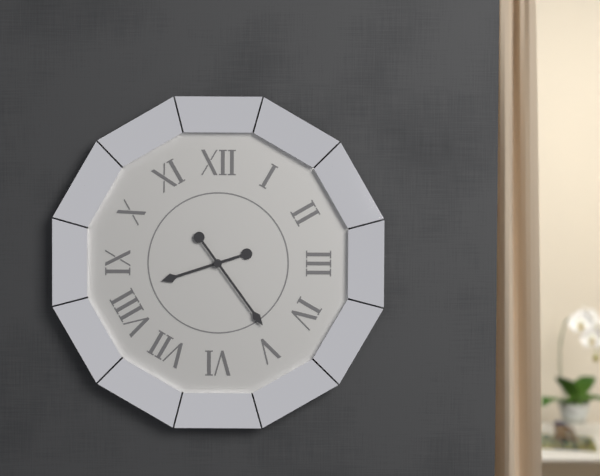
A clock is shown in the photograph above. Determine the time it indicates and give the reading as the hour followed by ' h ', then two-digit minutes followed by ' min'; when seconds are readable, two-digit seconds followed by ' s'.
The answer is 8 h 24 min
